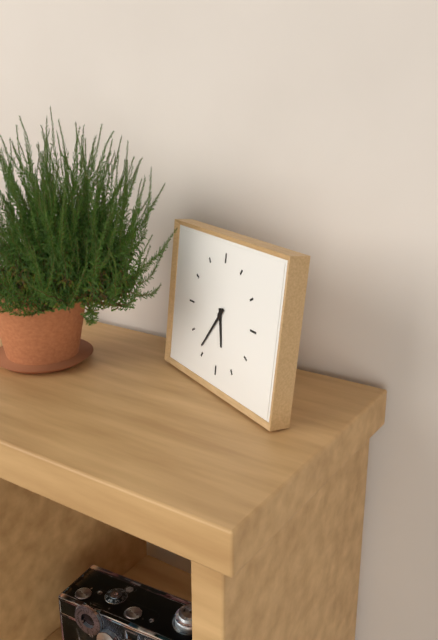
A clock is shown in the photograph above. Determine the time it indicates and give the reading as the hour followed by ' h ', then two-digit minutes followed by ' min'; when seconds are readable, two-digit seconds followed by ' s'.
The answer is 5 h 36 min
